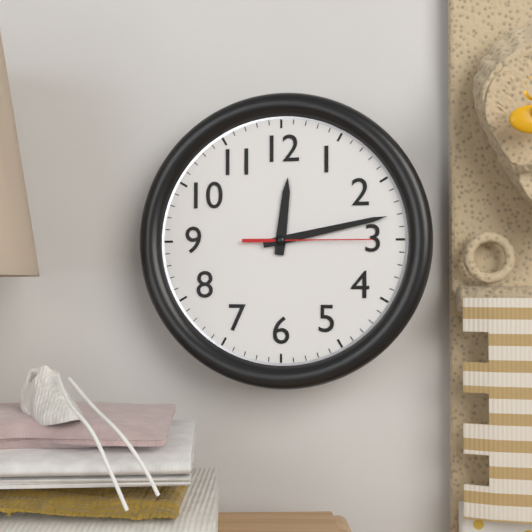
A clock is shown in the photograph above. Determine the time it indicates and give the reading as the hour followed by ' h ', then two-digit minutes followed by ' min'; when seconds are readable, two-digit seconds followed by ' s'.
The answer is 12 h 13 min 15 s
